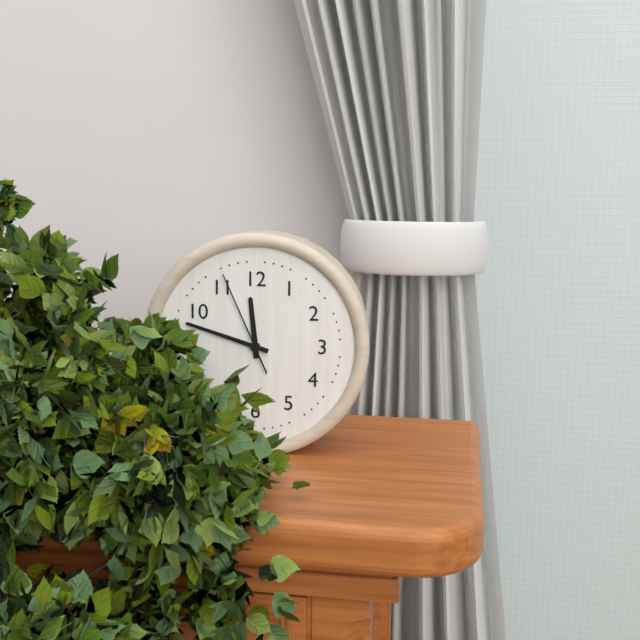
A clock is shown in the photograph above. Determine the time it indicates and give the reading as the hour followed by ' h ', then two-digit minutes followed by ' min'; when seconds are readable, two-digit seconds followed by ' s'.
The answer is 11 h 48 min 56 s
